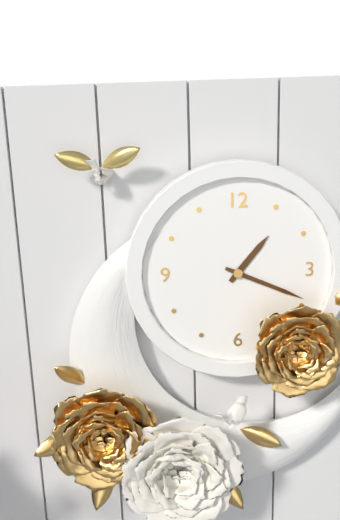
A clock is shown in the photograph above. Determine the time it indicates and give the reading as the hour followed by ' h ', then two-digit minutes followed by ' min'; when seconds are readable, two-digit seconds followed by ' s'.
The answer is 1 h 19 min
